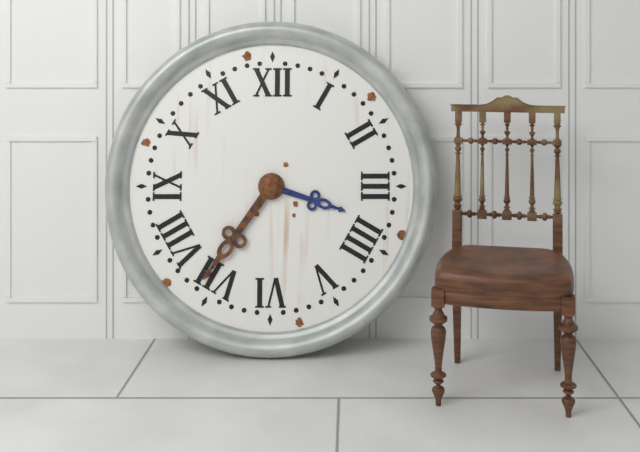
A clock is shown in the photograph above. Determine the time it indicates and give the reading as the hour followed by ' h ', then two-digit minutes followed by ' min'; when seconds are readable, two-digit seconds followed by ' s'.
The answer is 3 h 36 min
